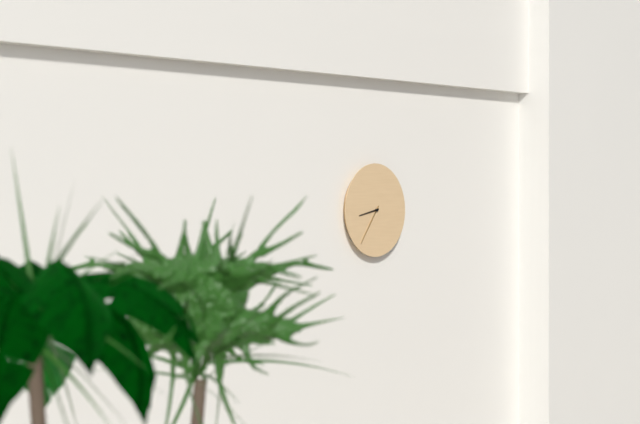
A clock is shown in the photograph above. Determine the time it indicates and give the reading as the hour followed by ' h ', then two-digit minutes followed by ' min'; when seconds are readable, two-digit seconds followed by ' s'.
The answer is 8 h 36 min
